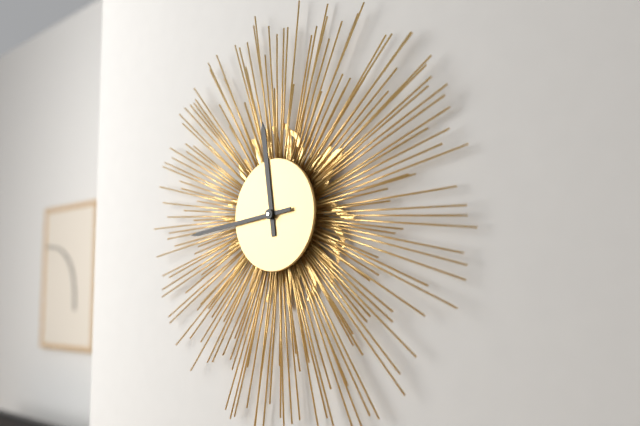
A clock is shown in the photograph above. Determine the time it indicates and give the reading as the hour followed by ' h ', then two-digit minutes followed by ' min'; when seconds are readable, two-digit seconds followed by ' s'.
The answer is 11 h 44 min
